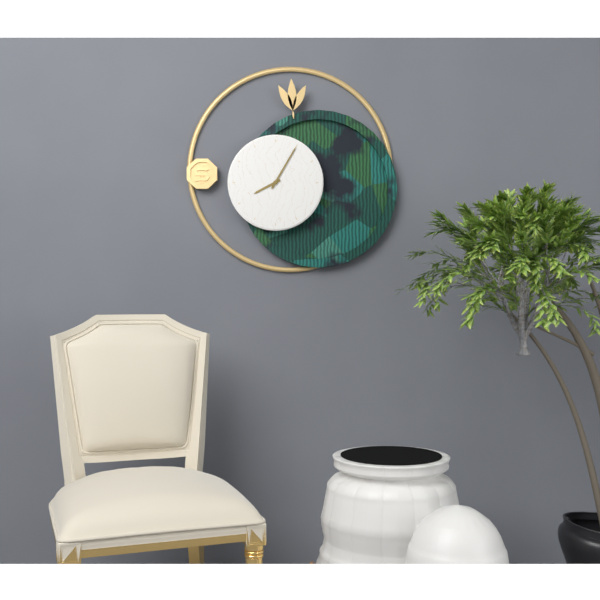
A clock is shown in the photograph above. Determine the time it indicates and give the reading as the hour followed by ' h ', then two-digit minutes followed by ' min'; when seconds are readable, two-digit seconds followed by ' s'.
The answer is 8 h 05 min
